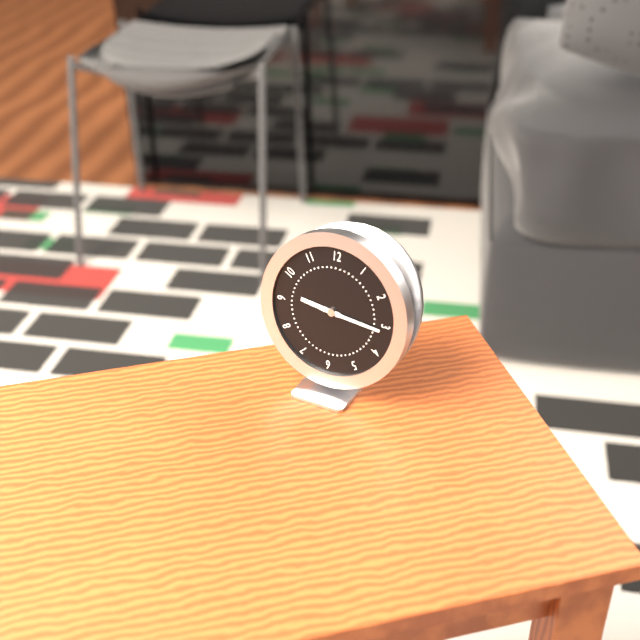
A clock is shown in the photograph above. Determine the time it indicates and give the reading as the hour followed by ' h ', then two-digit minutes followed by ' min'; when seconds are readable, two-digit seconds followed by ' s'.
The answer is 9 h 16 min
